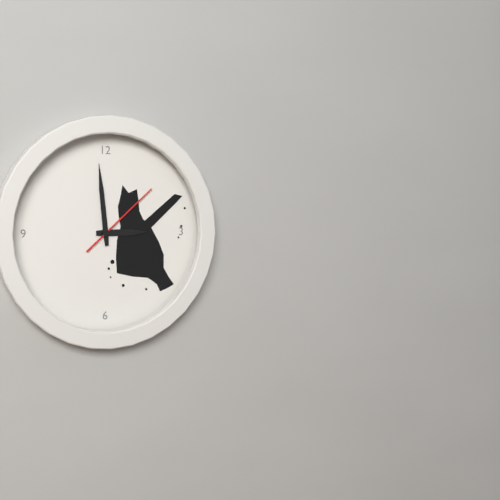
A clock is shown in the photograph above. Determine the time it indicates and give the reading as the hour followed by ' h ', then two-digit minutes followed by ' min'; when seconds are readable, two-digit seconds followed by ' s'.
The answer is 2 h 59 min 08 s
